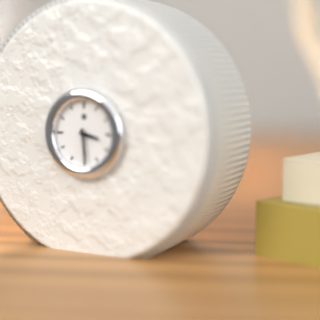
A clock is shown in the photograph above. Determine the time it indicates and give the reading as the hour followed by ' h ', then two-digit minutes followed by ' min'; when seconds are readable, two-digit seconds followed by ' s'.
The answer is 3 h 29 min
